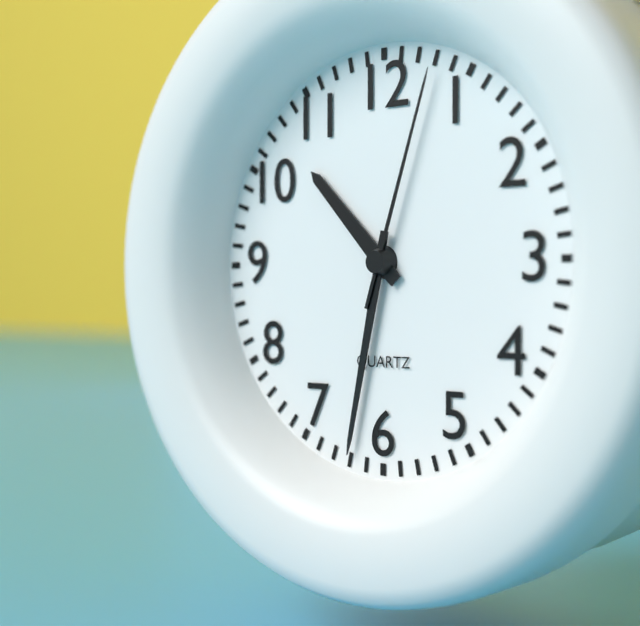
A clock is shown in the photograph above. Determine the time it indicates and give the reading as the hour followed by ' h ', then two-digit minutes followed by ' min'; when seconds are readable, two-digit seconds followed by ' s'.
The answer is 10 h 32 min 03 s
